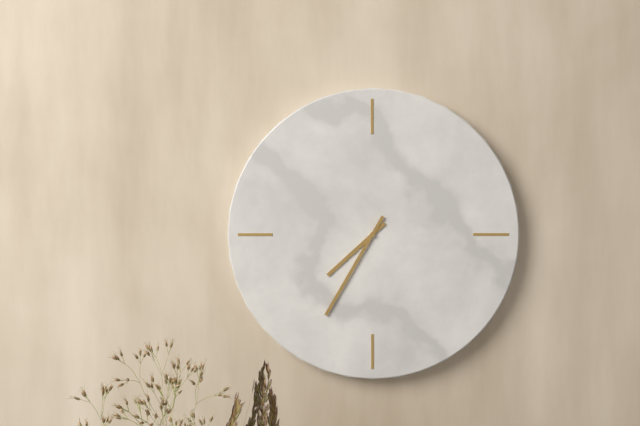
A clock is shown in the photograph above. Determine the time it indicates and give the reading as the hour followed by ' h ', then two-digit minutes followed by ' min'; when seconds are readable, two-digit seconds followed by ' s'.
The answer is 7 h 35 min
